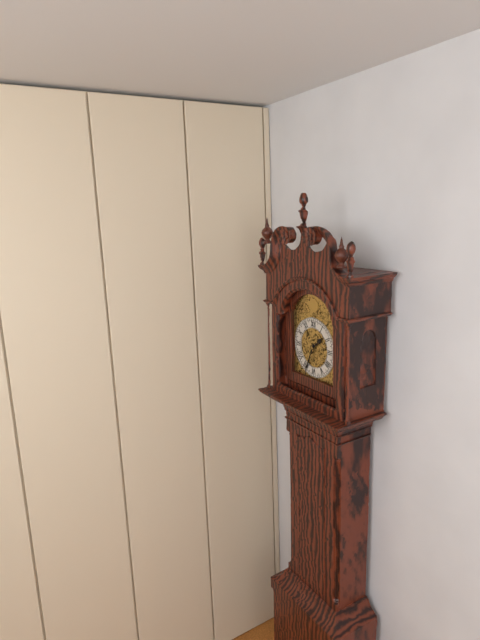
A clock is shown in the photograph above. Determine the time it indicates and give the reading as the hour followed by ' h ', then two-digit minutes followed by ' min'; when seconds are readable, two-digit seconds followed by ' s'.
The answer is 1 h 34 min
